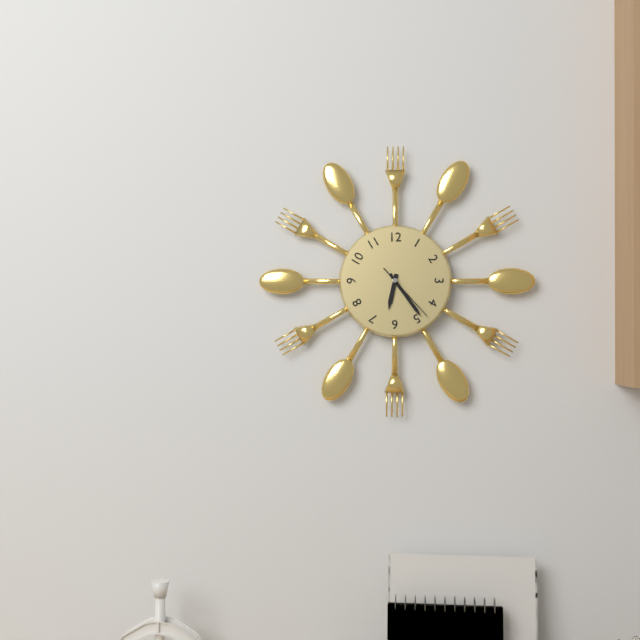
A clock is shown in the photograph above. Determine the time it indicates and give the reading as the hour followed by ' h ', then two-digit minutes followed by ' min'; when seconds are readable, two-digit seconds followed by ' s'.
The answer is 6 h 24 min 23 s
